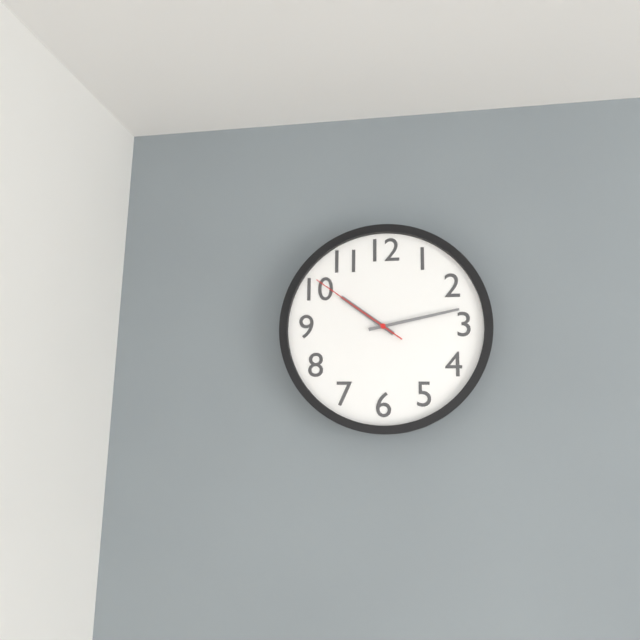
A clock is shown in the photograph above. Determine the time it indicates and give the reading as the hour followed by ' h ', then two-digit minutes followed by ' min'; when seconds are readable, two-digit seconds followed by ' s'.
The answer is 10 h 13 min 51 s
